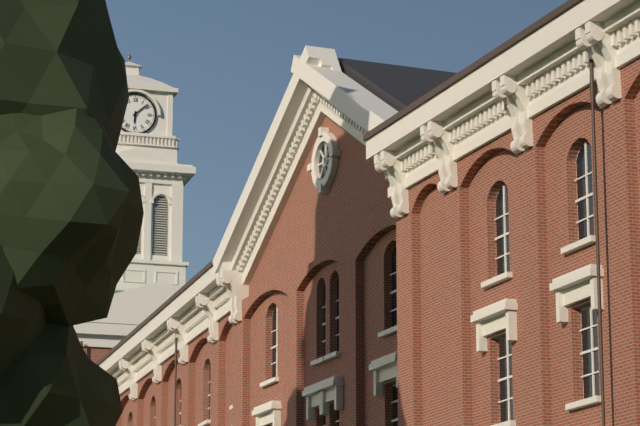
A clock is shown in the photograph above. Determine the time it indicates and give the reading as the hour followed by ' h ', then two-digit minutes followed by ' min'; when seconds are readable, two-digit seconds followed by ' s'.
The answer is 6 h 08 min
